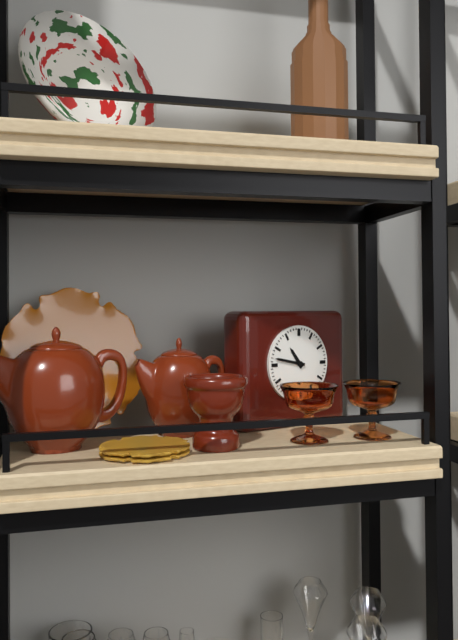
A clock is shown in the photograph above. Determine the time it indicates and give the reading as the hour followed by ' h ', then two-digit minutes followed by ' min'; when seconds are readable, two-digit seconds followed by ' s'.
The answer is 10 h 47 min
